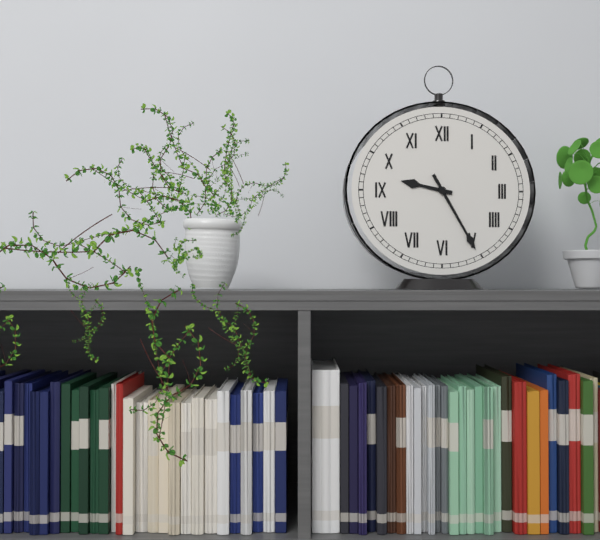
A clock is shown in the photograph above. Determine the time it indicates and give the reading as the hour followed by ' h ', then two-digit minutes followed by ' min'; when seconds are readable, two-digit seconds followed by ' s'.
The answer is 9 h 25 min
